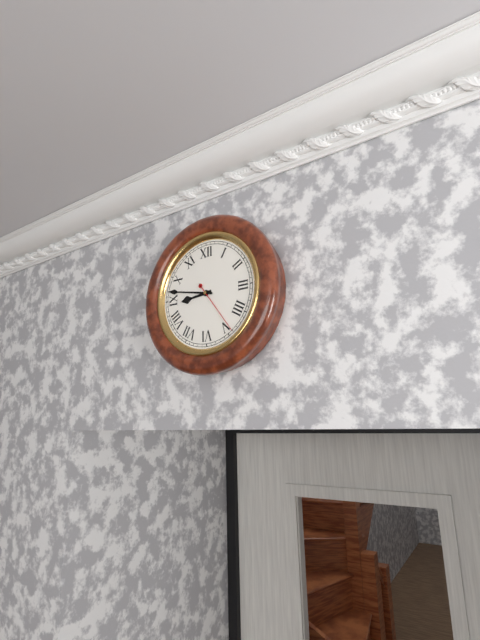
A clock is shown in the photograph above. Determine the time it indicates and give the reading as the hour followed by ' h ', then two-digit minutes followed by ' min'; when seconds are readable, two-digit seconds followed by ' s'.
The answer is 8 h 47 min 24 s
